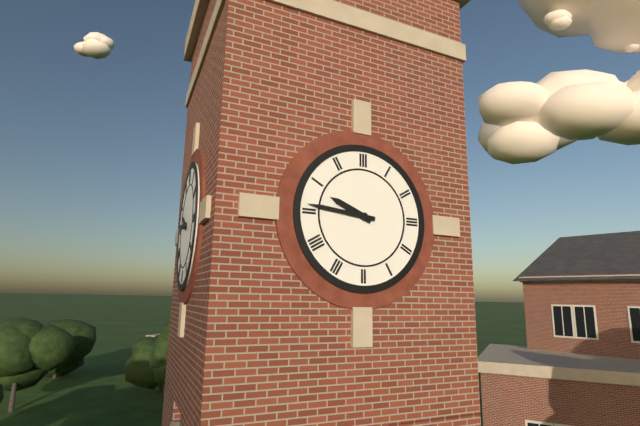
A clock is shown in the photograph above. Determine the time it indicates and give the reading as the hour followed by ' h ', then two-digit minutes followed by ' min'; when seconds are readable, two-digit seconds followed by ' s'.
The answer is 9 h 46 min
